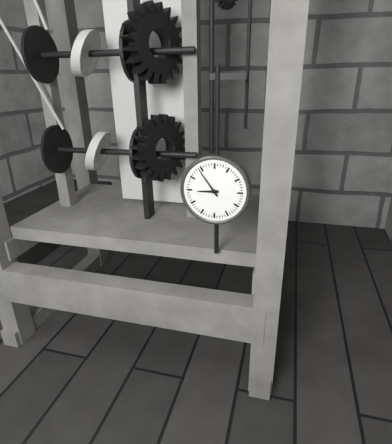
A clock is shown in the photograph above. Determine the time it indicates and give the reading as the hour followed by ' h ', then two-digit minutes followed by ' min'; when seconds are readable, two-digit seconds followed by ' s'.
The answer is 8 h 54 min
